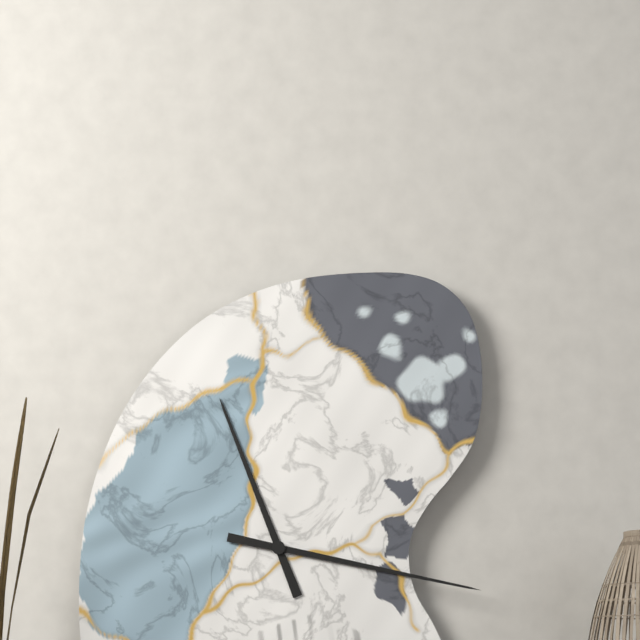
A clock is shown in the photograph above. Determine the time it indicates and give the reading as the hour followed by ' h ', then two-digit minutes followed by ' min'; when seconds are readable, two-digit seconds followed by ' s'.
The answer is 11 h 17 min
